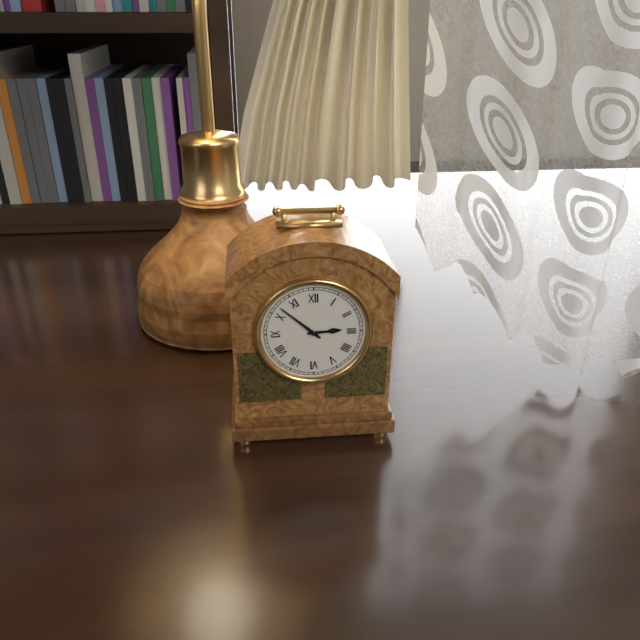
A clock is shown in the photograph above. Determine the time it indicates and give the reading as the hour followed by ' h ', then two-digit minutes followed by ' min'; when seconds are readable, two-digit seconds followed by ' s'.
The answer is 2 h 52 min
